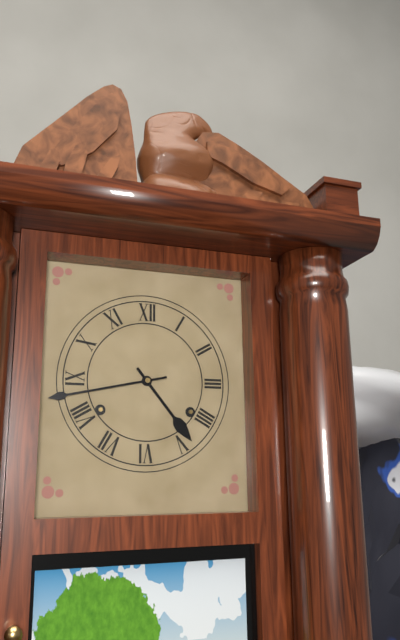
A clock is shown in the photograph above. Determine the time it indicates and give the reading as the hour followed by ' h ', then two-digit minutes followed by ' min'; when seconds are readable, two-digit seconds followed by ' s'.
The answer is 4 h 43 min
